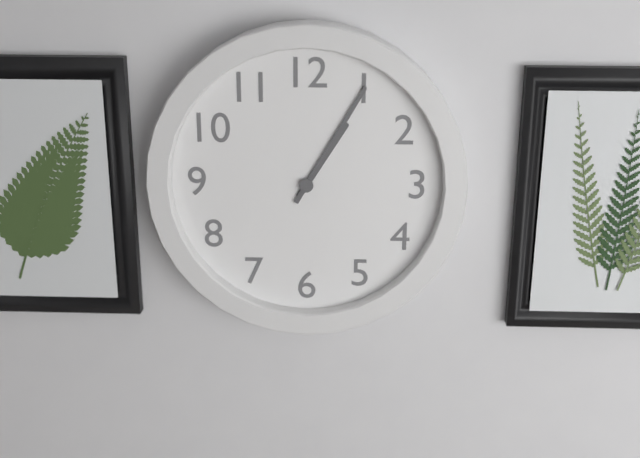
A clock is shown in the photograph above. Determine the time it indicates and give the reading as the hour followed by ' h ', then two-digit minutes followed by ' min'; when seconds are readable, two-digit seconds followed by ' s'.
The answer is 1 h 05 min
